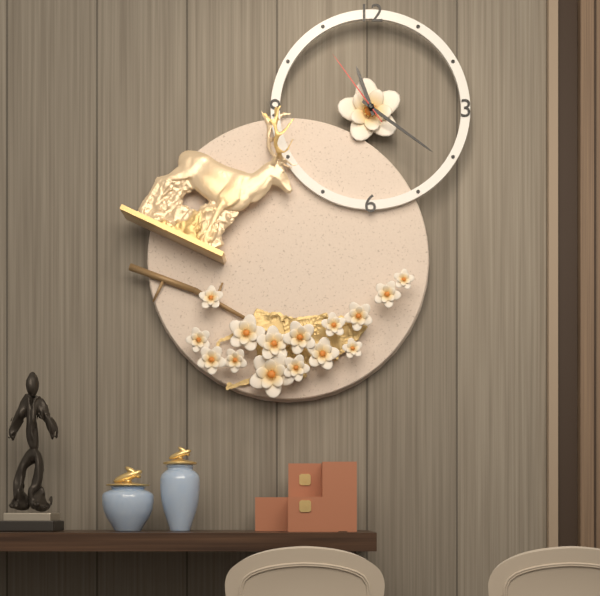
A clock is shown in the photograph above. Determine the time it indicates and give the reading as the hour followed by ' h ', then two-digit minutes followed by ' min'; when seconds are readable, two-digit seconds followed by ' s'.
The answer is 11 h 21 min 54 s
